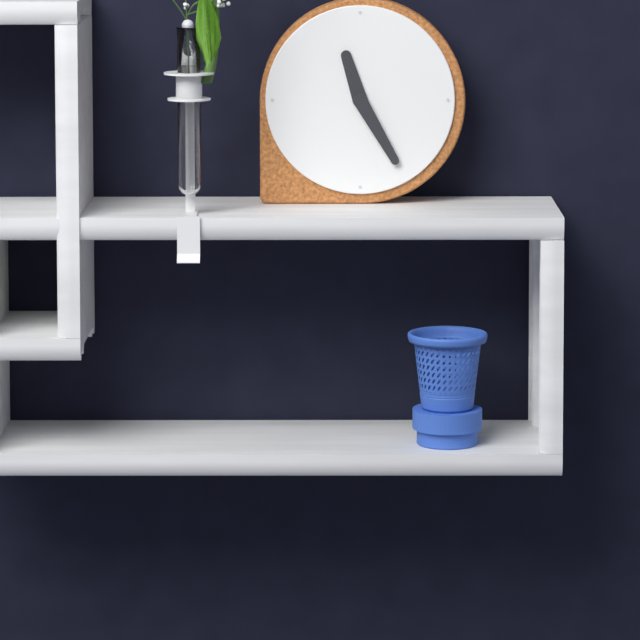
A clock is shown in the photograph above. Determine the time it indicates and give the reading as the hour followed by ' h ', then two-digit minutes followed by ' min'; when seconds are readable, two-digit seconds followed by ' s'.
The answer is 11 h 25 min
